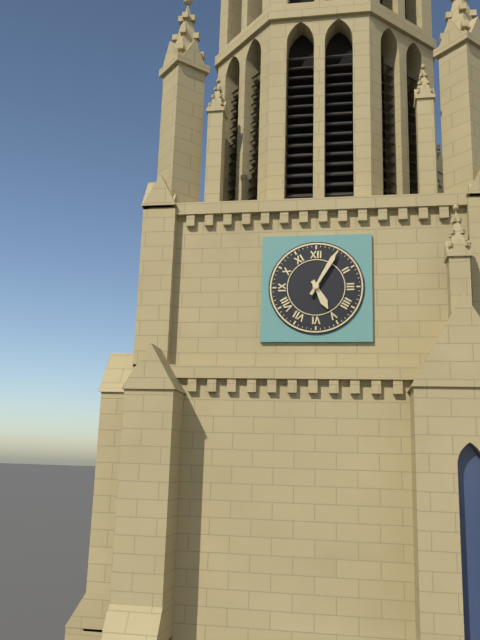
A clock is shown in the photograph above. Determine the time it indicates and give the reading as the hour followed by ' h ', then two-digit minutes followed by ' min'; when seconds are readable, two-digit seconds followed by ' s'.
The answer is 5 h 05 min
